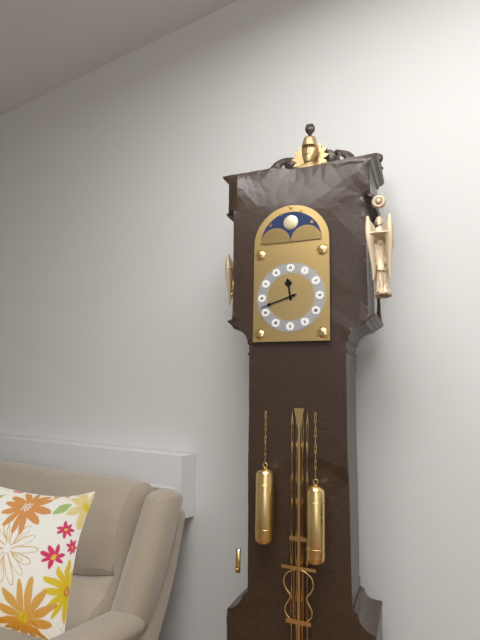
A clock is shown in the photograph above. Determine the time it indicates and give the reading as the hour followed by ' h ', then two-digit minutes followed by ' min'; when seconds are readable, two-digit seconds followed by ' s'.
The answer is 11 h 42 min
